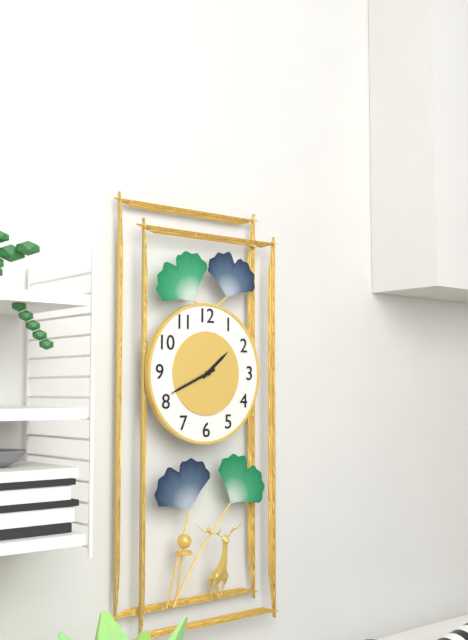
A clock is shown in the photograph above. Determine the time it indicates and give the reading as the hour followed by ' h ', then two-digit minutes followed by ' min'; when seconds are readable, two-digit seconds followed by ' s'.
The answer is 1 h 41 min
